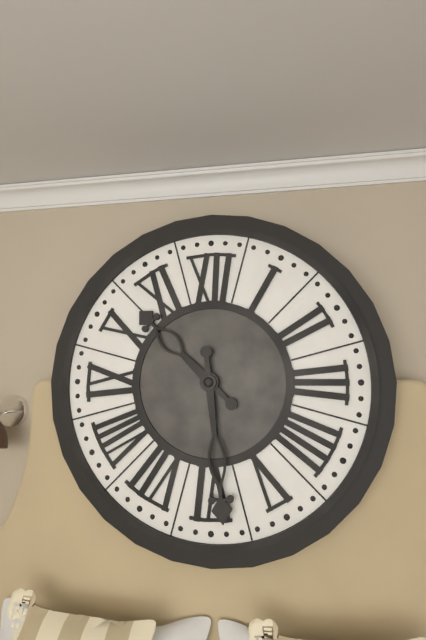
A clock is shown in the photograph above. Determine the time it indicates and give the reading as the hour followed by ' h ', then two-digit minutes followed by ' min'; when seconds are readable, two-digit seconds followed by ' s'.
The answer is 10 h 29 min
